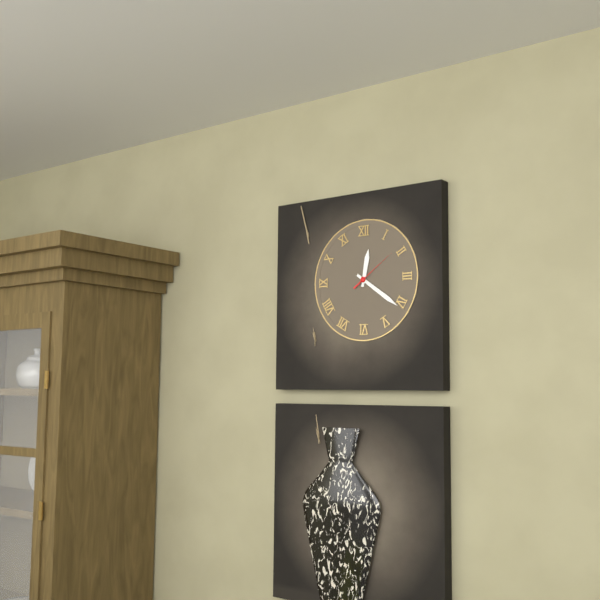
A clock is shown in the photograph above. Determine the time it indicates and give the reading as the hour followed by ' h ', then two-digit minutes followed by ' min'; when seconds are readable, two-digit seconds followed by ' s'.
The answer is 12 h 21 min
